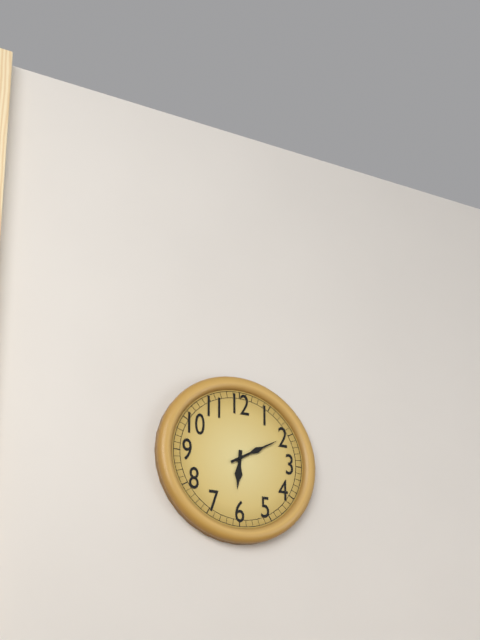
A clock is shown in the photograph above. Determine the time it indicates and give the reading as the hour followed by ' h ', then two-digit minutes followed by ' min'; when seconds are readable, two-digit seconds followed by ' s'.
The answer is 6 h 10 min
